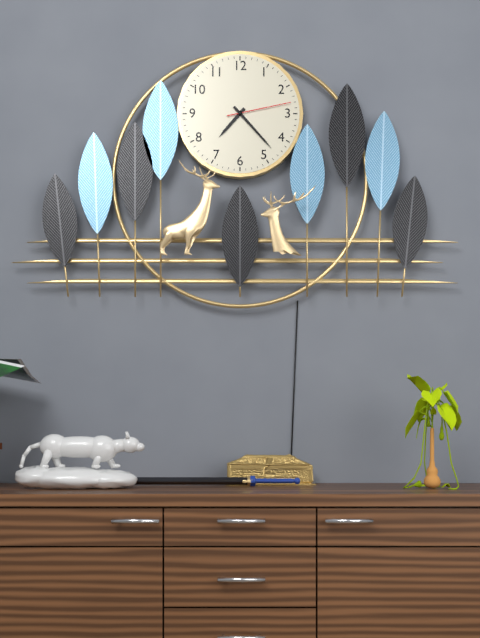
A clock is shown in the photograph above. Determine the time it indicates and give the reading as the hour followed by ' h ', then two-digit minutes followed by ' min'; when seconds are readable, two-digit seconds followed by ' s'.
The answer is 7 h 23 min 13 s
